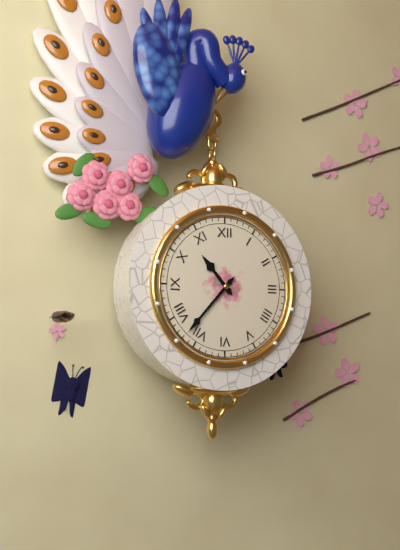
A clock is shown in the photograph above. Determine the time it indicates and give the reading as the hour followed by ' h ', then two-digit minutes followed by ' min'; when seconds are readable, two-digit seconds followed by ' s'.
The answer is 10 h 37 min
